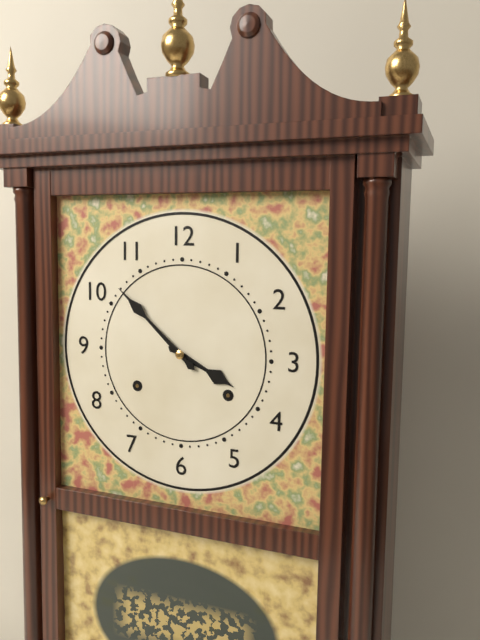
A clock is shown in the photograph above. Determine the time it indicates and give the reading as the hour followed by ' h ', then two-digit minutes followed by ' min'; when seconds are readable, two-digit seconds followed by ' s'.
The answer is 3 h 52 min
